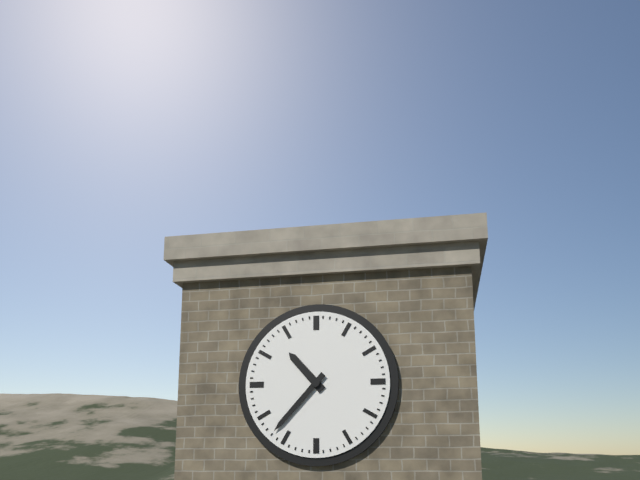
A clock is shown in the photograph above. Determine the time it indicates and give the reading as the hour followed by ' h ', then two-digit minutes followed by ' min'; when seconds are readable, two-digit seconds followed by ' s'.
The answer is 10 h 37 min
